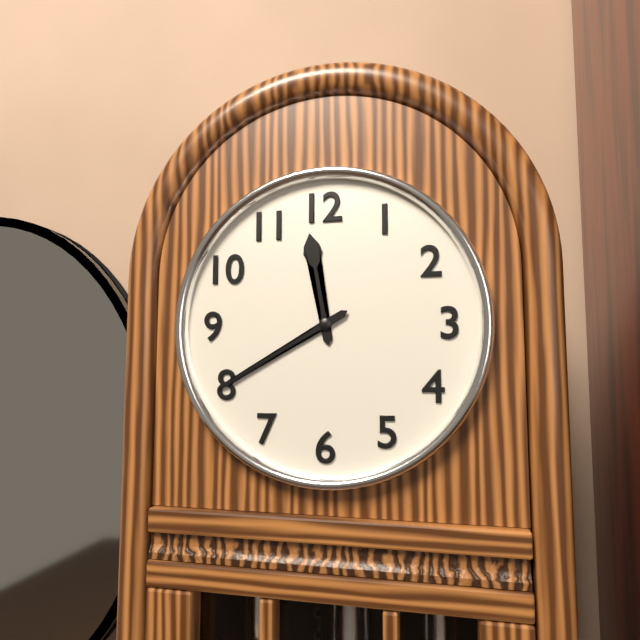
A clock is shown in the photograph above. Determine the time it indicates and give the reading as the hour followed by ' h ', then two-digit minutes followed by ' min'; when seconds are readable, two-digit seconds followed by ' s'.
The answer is 11 h 40 min
